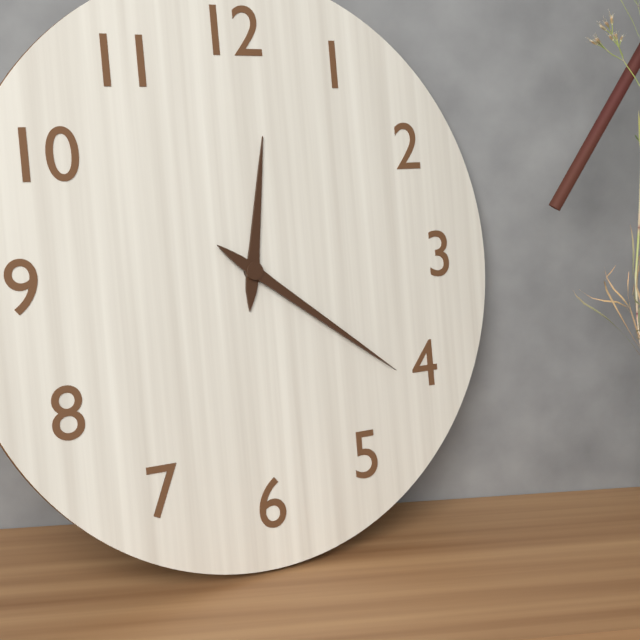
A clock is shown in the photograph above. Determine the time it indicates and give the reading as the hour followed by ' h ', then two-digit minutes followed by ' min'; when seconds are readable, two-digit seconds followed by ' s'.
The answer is 12 h 21 min
